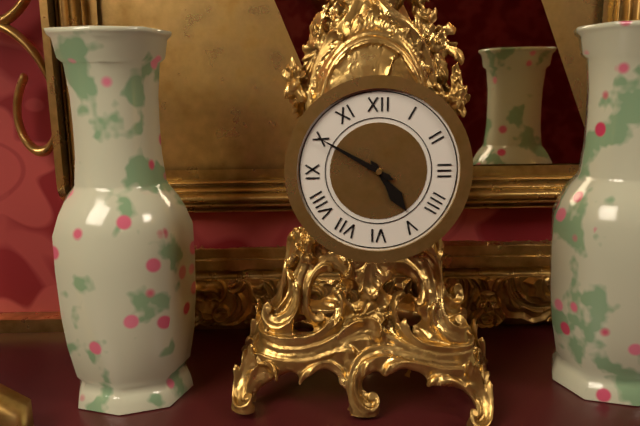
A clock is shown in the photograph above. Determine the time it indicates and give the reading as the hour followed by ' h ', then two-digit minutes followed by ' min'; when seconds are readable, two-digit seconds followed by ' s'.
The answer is 4 h 50 min
